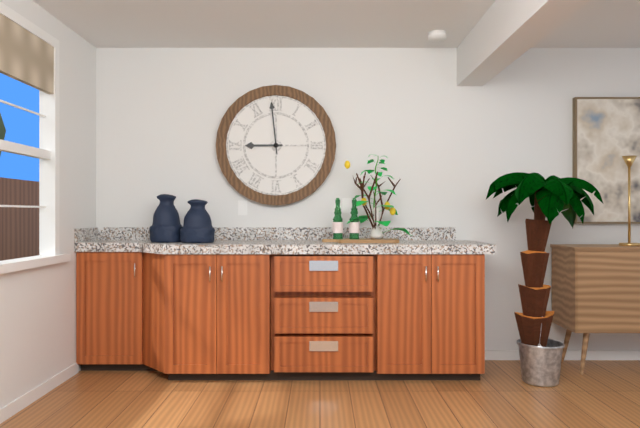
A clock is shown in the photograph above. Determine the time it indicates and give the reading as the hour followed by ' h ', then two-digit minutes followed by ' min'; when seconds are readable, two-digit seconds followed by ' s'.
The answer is 8 h 59 min
